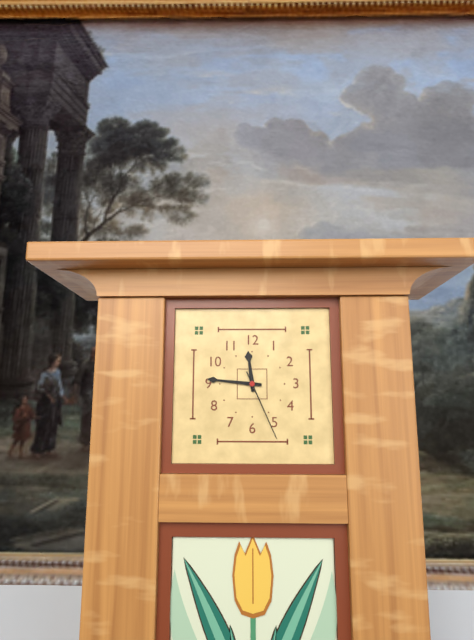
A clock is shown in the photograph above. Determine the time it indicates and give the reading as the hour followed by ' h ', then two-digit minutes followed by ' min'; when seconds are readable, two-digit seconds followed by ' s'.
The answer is 11 h 46 min 26 s
